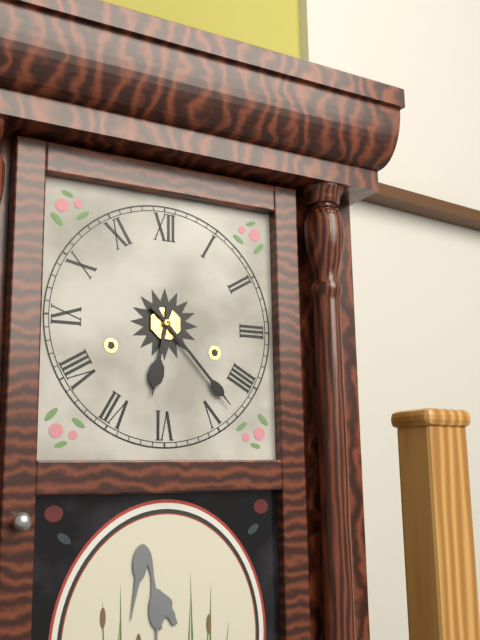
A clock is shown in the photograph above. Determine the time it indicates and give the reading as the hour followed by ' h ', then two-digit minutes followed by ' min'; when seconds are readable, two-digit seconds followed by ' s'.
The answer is 6 h 23 min
